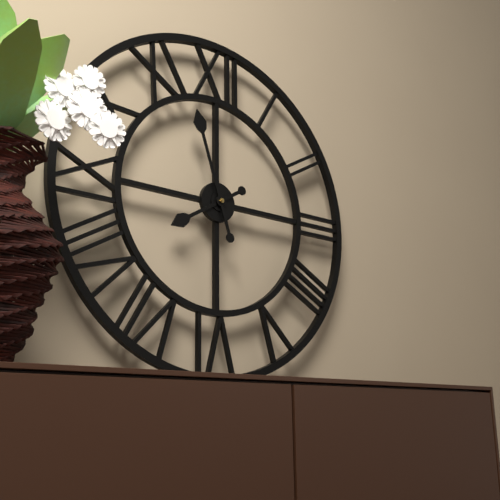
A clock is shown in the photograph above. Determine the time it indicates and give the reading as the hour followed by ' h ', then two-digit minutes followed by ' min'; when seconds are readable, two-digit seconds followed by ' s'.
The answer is 7 h 57 min
